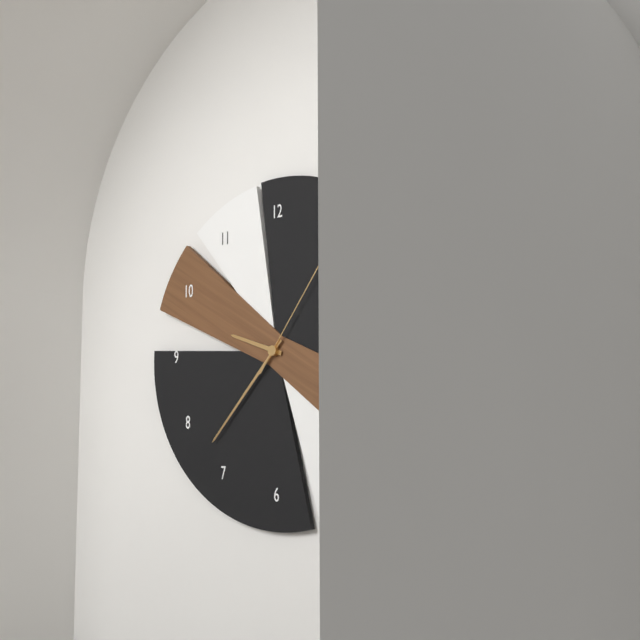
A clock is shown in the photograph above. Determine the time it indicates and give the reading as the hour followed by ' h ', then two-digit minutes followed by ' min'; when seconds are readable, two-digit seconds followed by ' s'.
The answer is 9 h 37 min 06 s
